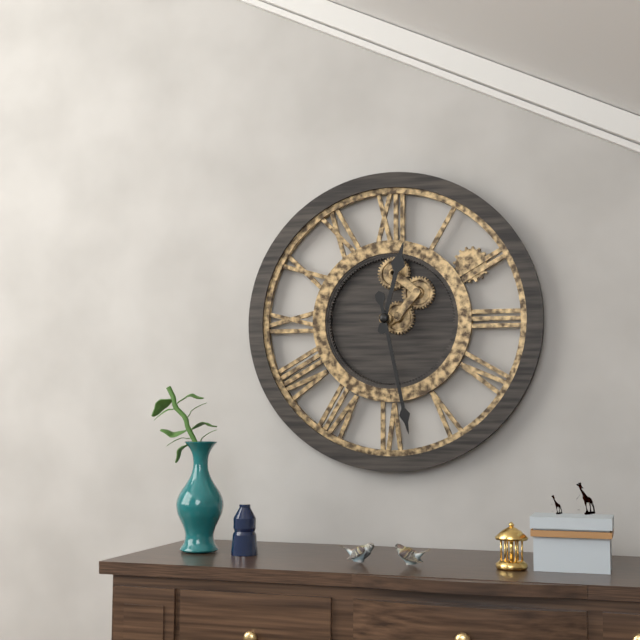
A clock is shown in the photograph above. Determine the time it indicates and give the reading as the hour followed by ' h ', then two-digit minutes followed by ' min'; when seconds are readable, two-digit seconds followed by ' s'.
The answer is 12 h 28 min
